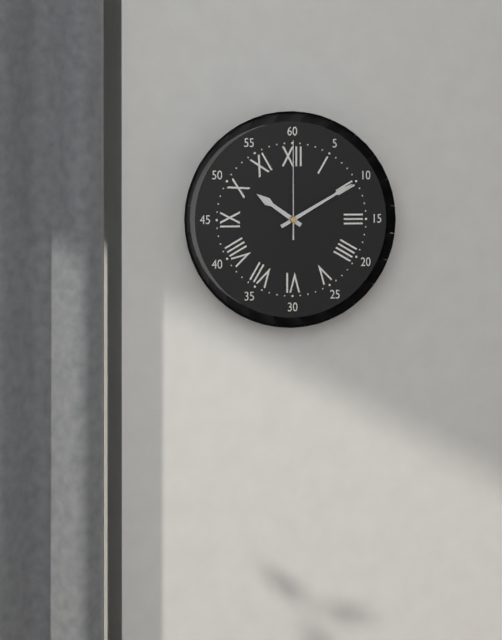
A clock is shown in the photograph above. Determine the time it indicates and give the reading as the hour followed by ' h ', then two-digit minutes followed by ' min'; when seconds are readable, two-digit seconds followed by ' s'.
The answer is 10 h 10 min 00 s
